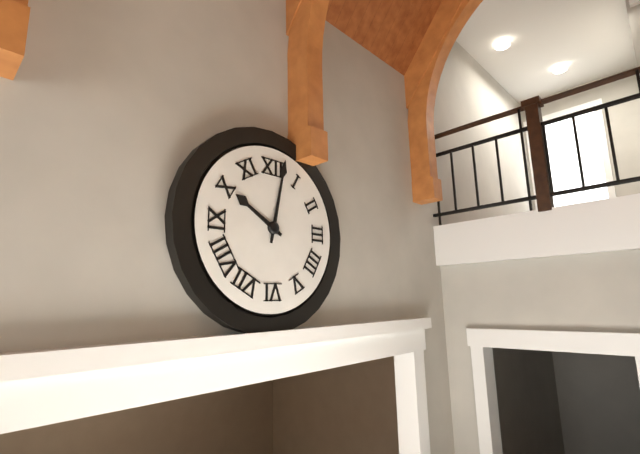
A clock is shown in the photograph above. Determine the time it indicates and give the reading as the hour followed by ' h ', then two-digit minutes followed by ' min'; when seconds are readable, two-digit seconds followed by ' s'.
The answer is 10 h 02 min
